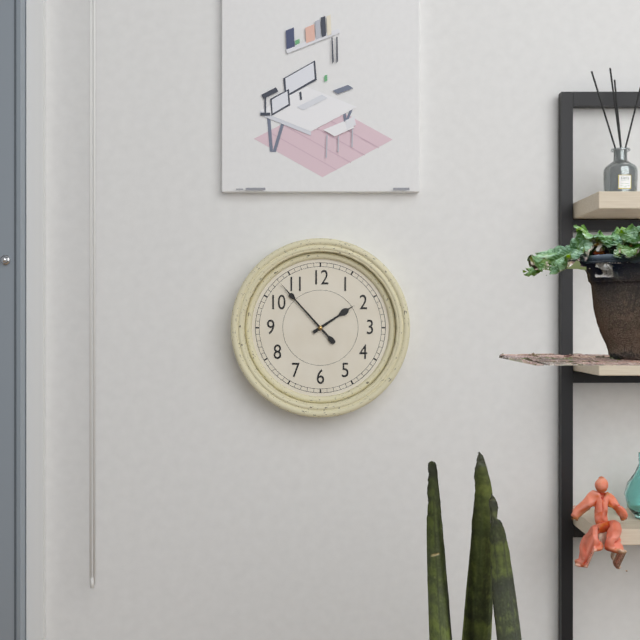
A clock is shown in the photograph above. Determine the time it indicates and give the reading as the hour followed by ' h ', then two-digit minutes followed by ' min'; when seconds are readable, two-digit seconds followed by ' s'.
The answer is 1 h 53 min
